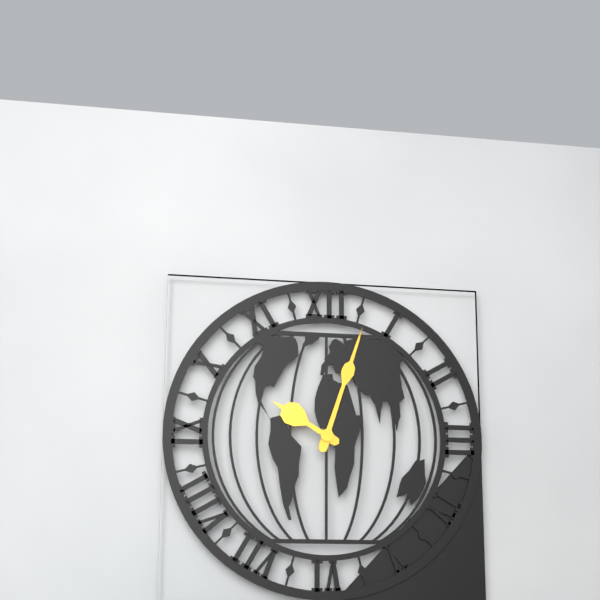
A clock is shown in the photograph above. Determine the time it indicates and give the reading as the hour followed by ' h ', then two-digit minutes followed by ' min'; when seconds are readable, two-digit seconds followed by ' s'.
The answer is 10 h 03 min
